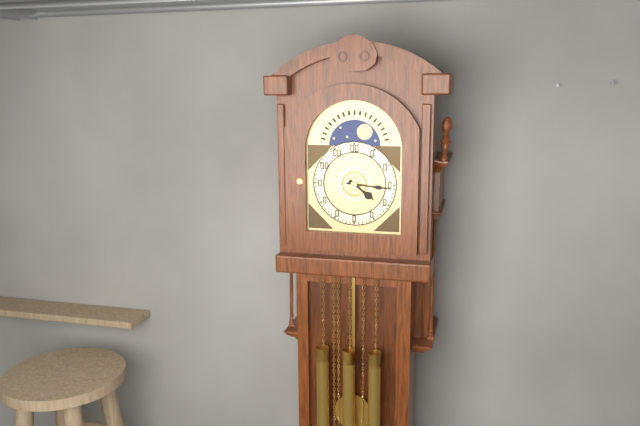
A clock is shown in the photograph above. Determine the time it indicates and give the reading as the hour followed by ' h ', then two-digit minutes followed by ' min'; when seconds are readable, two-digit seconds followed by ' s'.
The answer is 4 h 16 min
